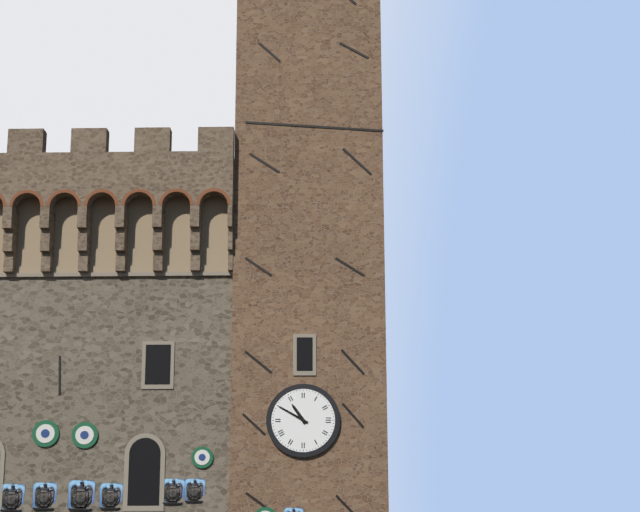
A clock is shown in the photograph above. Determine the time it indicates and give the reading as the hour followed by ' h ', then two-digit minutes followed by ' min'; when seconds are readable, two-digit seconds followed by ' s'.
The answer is 10 h 50 min
